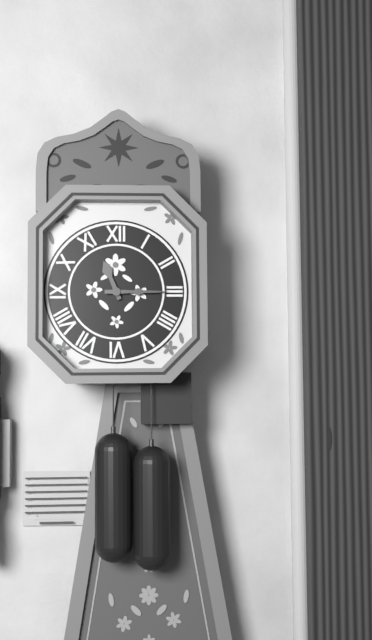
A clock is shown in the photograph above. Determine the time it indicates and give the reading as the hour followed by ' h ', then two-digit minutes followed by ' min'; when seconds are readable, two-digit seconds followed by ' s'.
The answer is 11 h 15 min
